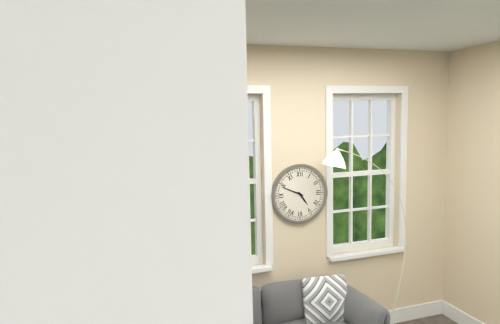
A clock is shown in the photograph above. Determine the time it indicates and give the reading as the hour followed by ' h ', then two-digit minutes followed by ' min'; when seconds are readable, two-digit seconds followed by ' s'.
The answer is 4 h 49 min
